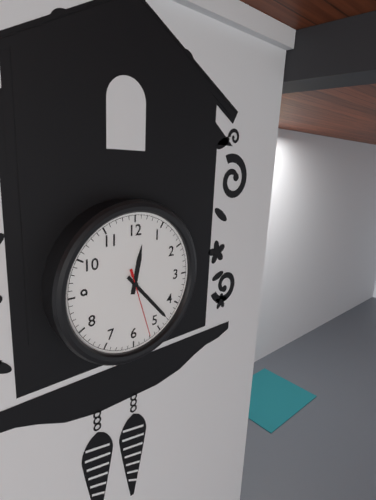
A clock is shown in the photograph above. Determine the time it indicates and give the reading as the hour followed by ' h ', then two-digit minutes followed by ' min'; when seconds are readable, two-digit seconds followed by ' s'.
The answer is 12 h 23 min 27 s
